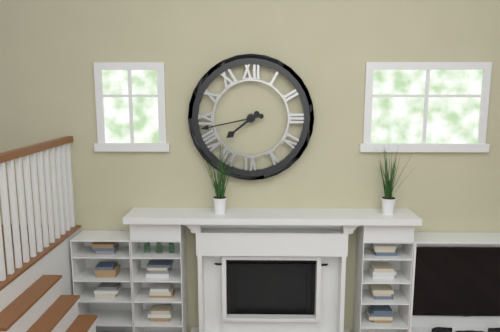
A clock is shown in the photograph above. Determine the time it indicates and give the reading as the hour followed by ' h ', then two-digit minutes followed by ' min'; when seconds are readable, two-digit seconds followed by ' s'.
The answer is 7 h 43 min
